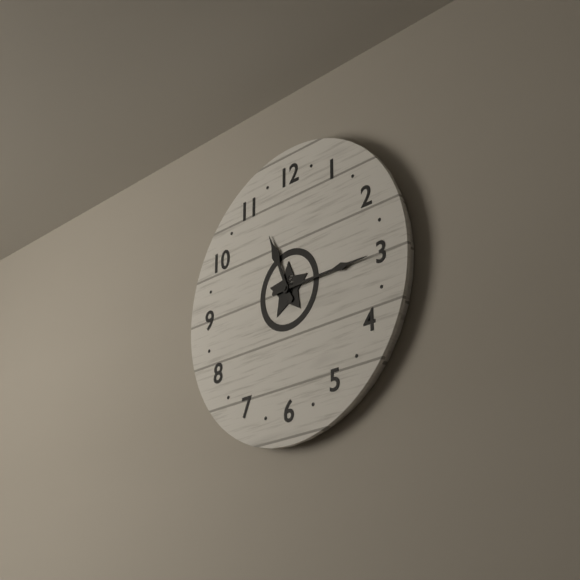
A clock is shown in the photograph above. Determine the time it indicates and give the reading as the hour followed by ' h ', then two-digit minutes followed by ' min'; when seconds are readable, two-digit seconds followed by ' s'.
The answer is 11 h 15 min
